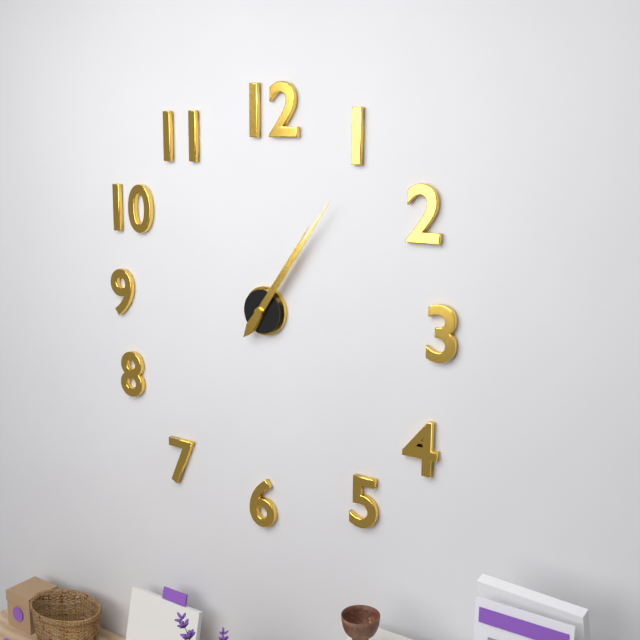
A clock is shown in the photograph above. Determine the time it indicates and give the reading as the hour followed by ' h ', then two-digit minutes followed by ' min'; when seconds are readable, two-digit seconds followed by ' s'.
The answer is 1 h 06 min
